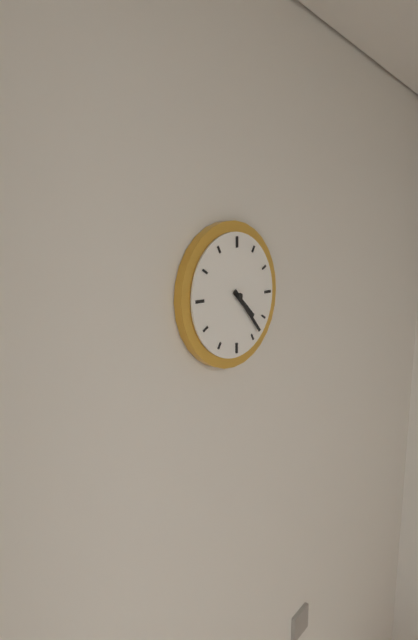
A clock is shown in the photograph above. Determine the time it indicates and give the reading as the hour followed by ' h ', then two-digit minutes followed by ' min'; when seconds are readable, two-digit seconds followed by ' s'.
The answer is 4 h 23 min
